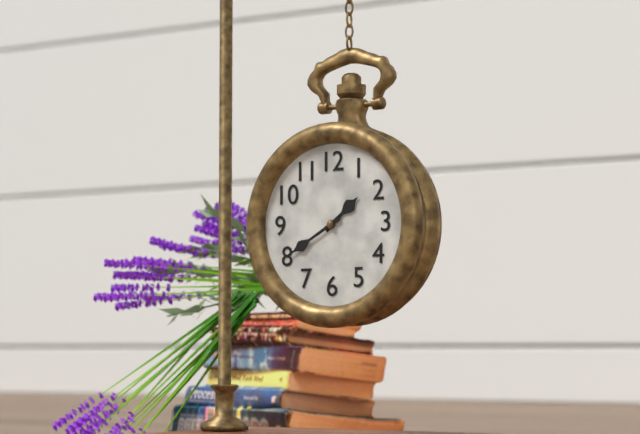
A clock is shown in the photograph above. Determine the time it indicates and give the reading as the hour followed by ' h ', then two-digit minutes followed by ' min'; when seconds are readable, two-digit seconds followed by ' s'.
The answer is 1 h 40 min
